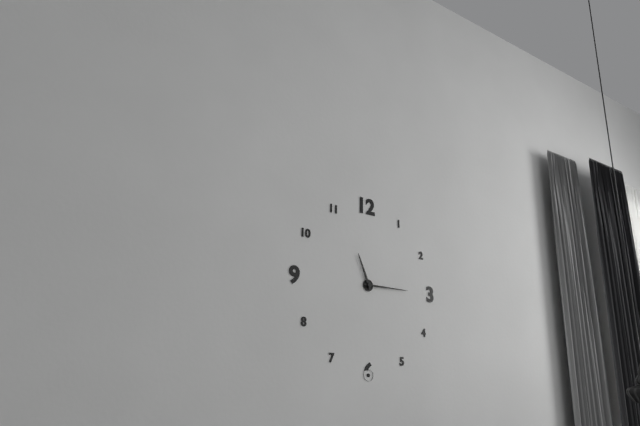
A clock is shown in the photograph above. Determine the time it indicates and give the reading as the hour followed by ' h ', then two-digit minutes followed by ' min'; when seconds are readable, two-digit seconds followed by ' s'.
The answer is 11 h 15 min
